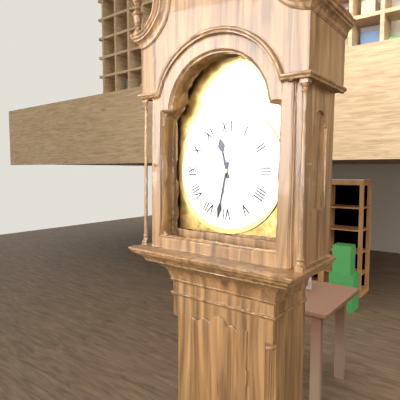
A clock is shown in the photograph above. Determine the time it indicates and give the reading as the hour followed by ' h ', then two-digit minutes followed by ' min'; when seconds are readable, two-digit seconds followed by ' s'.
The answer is 11 h 32 min
